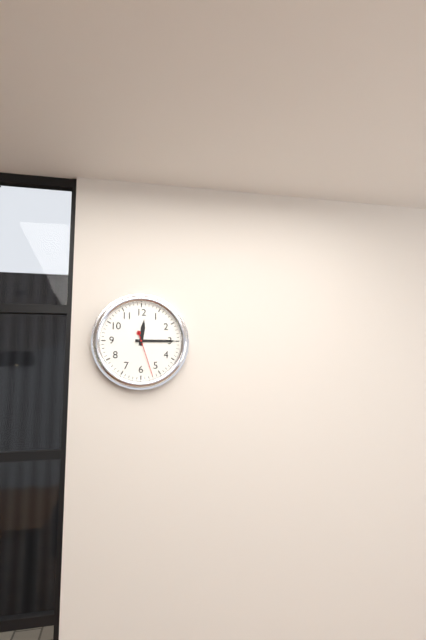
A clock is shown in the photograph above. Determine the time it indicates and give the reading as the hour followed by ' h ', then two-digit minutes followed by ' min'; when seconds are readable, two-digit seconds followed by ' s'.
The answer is 12 h 15 min
